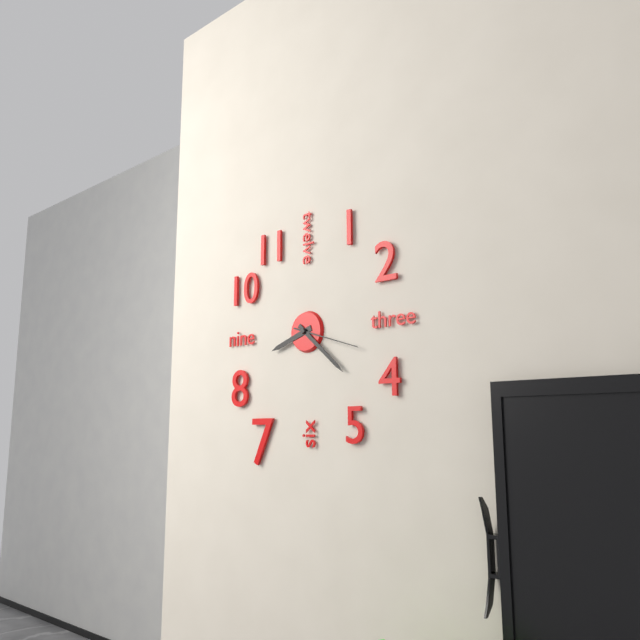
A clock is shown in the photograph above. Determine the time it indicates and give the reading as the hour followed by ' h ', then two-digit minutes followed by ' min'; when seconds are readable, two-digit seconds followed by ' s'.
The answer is 8 h 22 min 18 s
